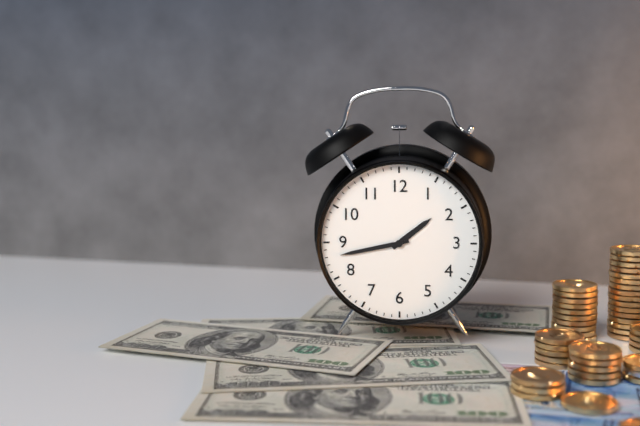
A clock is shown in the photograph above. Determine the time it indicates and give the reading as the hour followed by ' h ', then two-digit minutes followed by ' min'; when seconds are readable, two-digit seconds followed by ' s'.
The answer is 1 h 43 min
